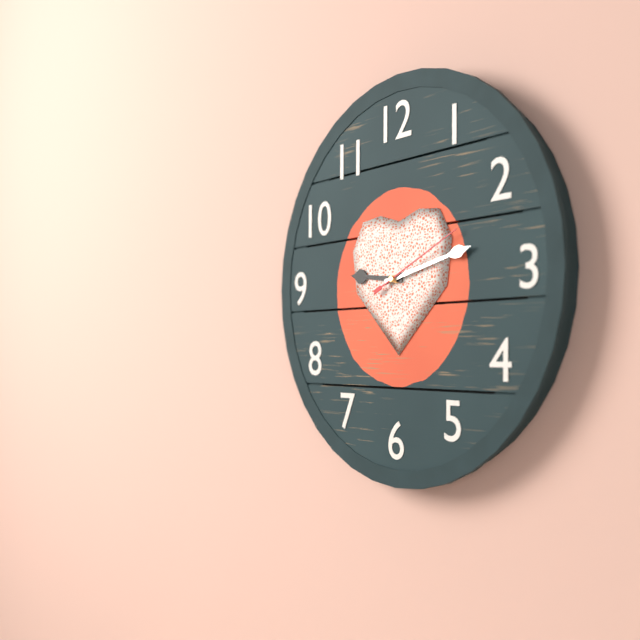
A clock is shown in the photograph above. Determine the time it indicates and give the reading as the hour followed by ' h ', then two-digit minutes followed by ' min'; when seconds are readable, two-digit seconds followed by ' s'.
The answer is 9 h 13 min 11 s
